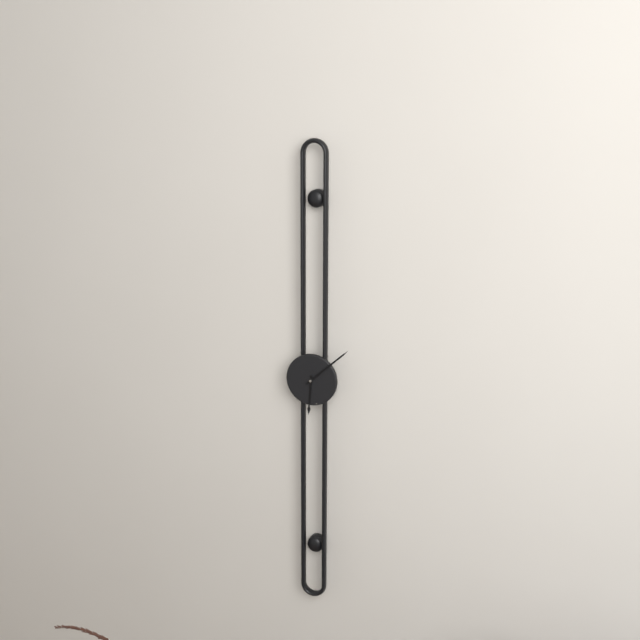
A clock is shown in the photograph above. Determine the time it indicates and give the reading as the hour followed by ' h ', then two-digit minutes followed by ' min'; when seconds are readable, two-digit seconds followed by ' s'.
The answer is 6 h 08 min
